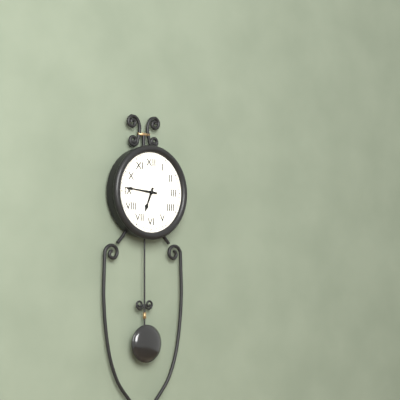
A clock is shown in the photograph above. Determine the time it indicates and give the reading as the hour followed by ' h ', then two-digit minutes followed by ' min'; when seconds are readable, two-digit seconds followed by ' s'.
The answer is 6 h 46 min
